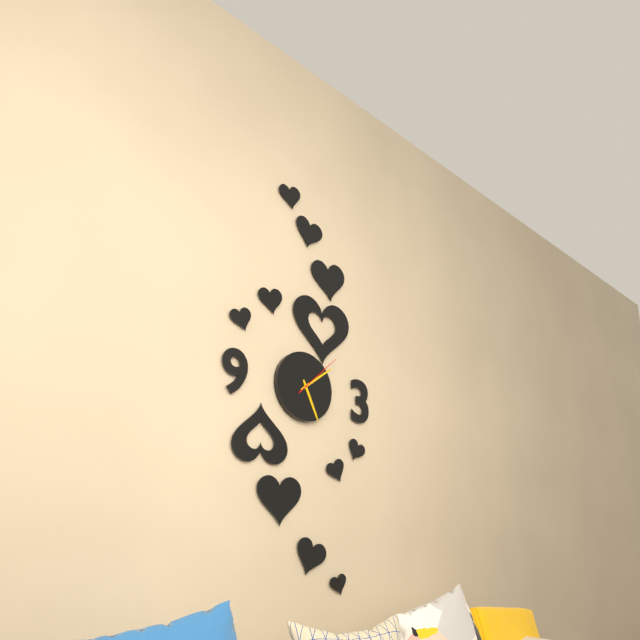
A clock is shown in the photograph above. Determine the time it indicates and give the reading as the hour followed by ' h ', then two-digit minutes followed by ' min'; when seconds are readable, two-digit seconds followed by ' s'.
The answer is 5 h 09 min 08 s
